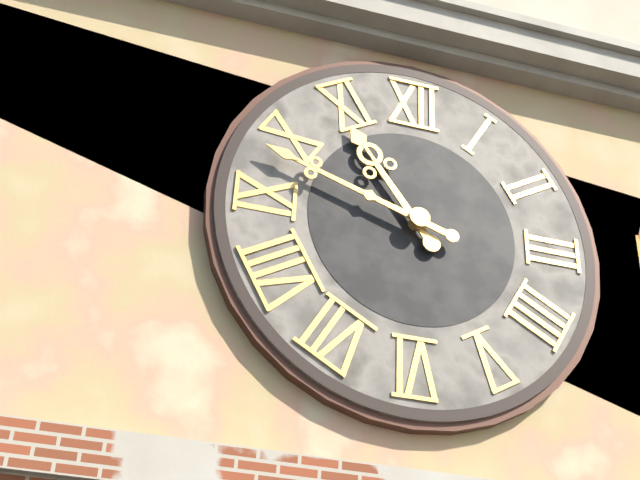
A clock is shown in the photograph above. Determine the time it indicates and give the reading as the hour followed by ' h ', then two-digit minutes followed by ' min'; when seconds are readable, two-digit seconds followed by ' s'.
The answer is 10 h 48 min
